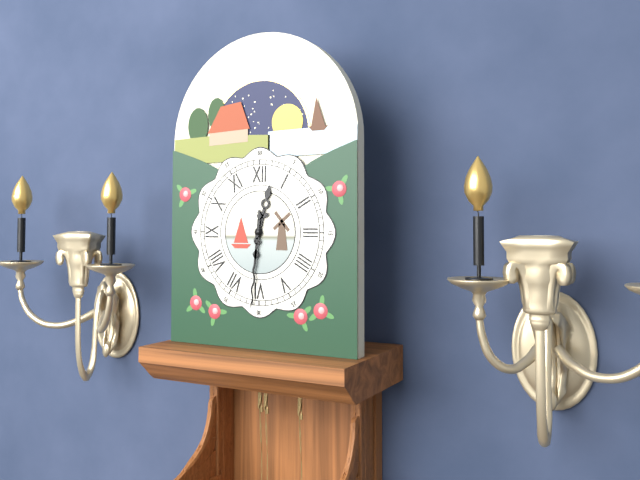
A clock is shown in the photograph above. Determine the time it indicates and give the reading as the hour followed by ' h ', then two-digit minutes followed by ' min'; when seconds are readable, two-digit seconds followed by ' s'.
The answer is 12 h 31 min
